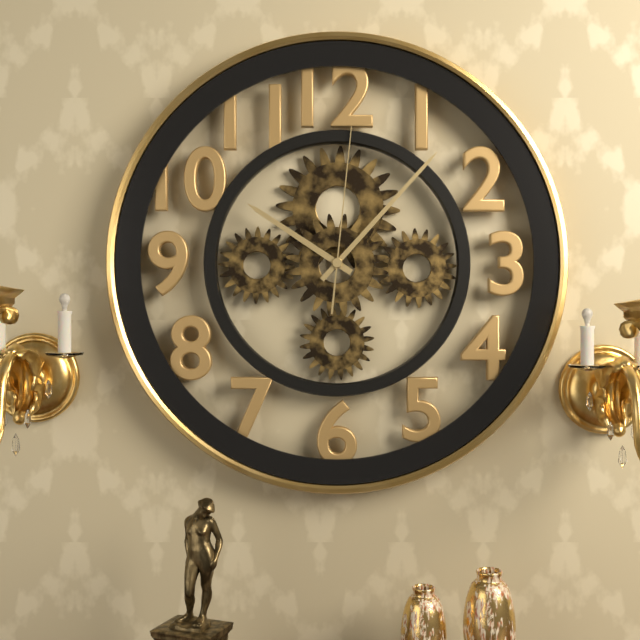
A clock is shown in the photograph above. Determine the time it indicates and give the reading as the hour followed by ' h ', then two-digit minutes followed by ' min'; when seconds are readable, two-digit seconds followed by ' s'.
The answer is 10 h 07 min 01 s
